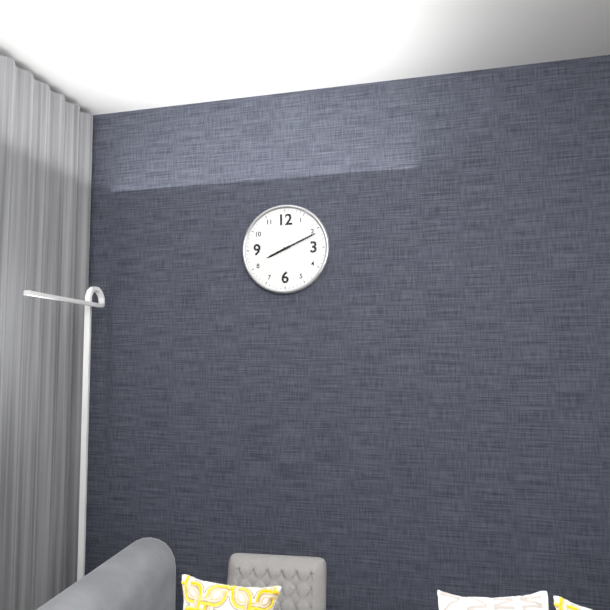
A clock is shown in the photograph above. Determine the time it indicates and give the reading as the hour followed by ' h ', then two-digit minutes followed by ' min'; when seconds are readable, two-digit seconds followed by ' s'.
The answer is 8 h 11 min
